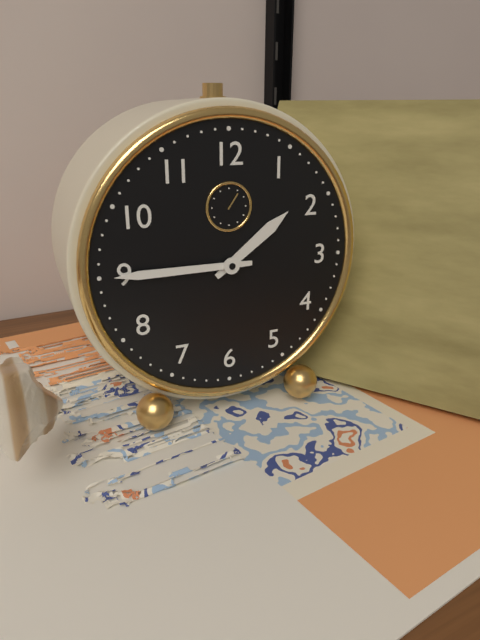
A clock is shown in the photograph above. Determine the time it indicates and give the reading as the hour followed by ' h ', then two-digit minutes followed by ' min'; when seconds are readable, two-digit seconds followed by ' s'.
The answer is 1 h 45 min
